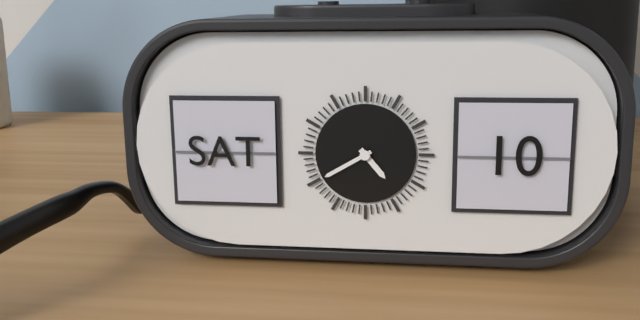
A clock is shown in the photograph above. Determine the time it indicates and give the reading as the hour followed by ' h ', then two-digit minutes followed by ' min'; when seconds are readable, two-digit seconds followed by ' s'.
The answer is 4 h 40 min
